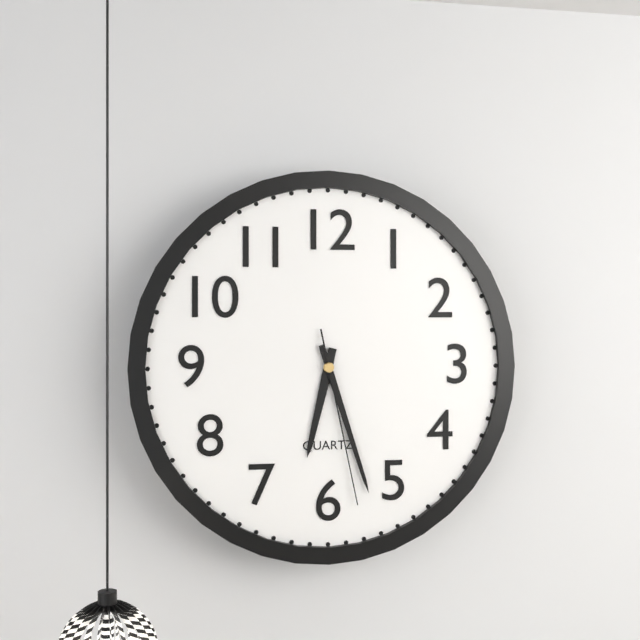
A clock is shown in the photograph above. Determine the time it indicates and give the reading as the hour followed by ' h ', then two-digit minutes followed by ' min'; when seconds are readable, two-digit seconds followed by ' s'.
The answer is 6 h 27 min 28 s
